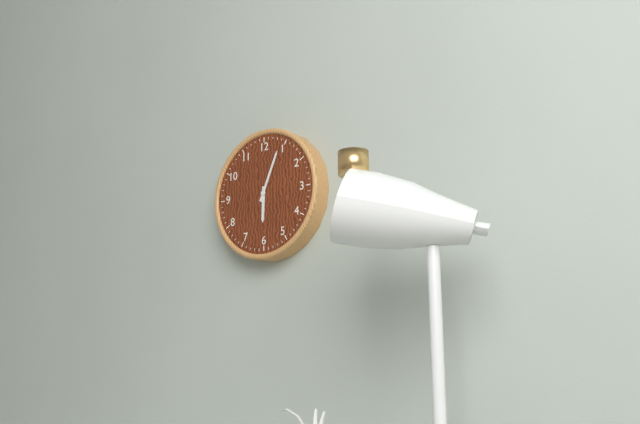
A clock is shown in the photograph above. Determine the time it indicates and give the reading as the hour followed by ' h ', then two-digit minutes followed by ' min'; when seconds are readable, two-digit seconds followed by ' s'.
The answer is 6 h 04 min
